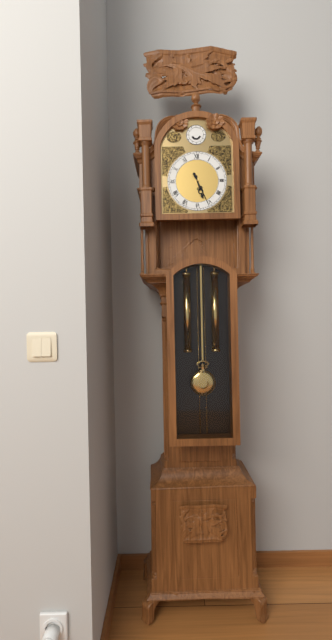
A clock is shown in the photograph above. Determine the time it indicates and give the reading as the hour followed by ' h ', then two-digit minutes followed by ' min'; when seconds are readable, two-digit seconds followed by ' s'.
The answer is 5 h 26 min
